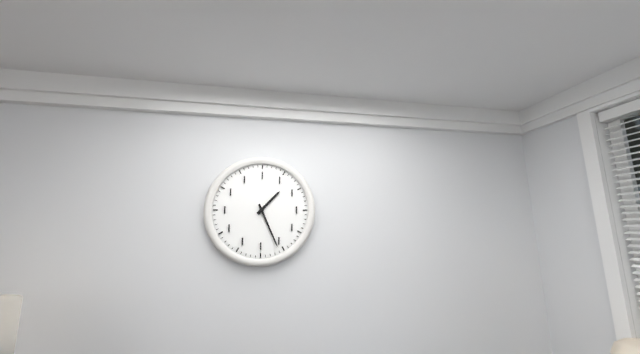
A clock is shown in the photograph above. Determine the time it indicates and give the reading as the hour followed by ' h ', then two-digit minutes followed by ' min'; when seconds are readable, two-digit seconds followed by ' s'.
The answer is 1 h 26 min
